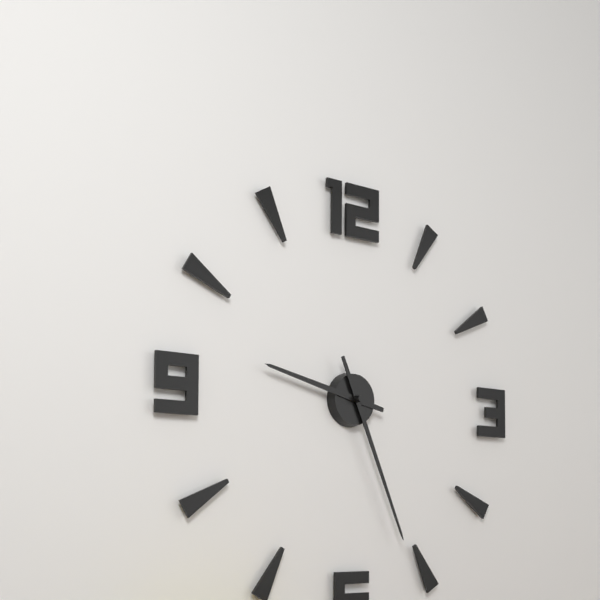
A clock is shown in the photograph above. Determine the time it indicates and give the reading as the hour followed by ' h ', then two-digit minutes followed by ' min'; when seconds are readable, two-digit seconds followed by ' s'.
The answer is 9 h 26 min
